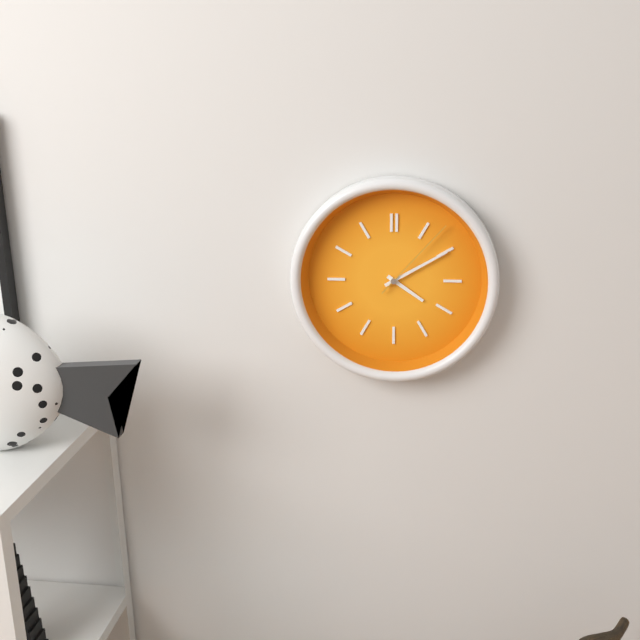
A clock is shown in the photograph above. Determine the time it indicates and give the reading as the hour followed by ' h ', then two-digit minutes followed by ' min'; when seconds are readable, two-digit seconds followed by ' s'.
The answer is 4 h 10 min 07 s
